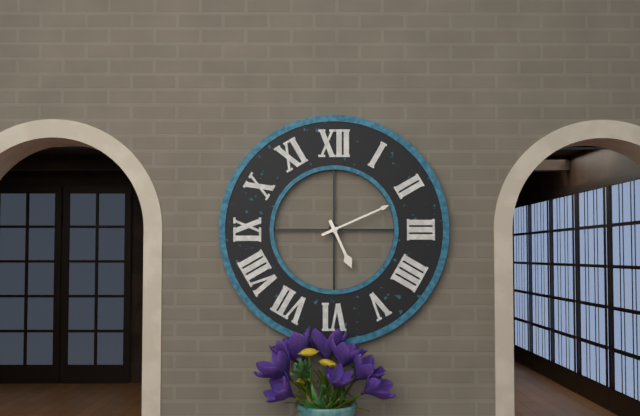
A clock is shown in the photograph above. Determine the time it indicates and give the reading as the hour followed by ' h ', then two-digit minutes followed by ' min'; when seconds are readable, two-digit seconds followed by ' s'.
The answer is 5 h 11 min
